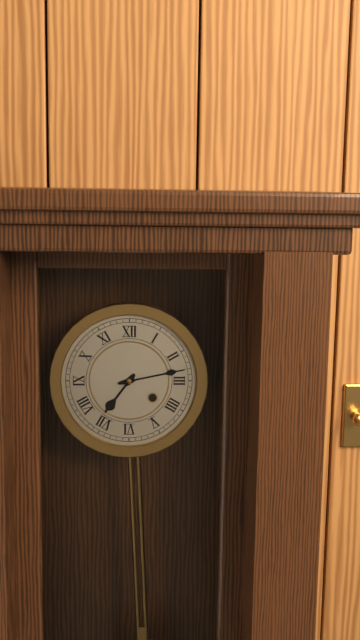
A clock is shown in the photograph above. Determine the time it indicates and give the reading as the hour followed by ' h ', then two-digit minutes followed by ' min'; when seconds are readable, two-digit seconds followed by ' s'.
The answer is 7 h 13 min
